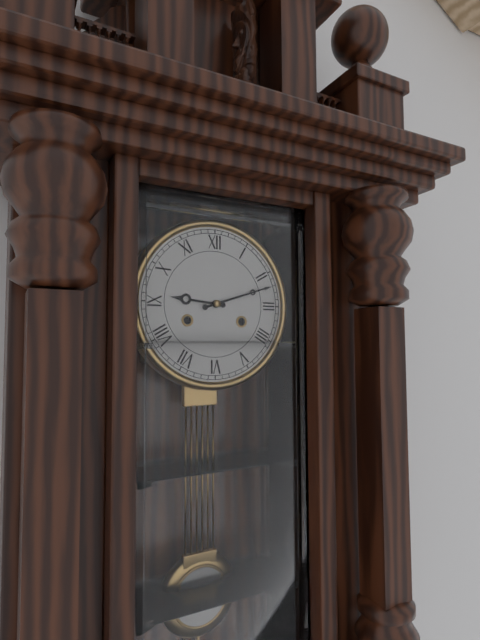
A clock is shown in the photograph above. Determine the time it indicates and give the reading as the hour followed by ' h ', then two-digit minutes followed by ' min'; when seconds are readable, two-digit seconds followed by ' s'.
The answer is 9 h 12 min
